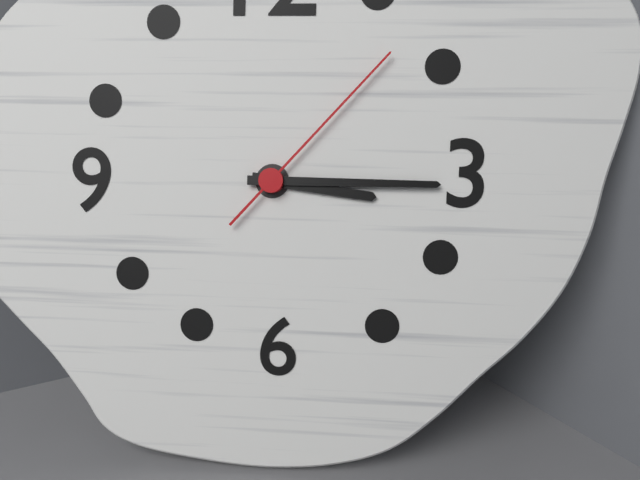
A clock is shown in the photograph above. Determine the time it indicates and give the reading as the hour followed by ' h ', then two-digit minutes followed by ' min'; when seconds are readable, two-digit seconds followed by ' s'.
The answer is 3 h 15 min 07 s
